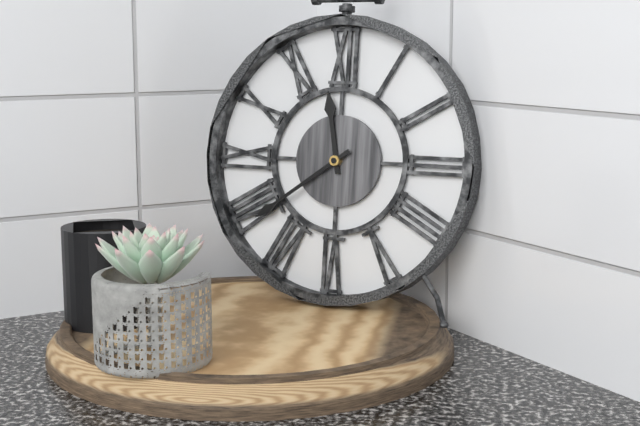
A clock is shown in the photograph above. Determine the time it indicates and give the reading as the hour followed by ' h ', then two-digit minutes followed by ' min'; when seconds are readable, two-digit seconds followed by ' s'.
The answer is 11 h 39 min
